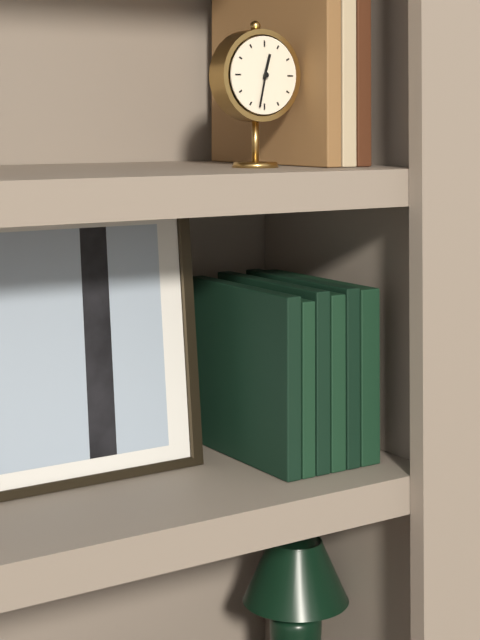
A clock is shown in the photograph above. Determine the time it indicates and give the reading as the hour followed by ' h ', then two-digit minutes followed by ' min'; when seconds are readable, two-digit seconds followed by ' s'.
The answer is 12 h 32 min
